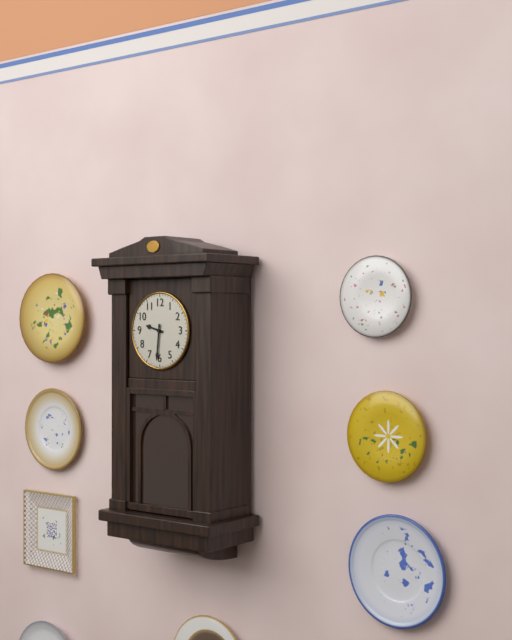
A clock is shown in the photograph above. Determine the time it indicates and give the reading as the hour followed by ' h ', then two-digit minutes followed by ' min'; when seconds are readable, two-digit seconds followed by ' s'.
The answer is 9 h 31 min
